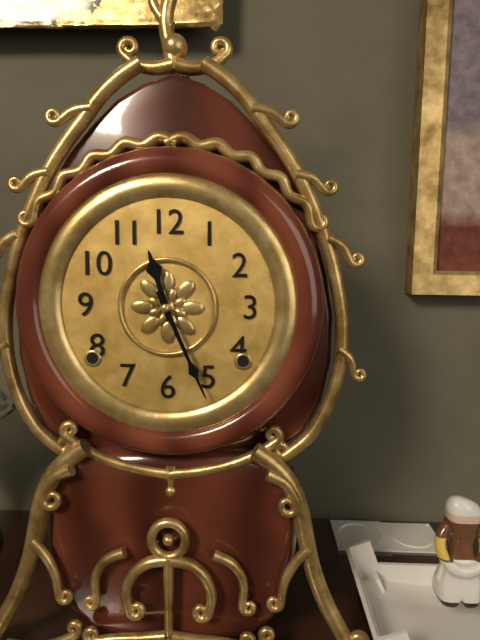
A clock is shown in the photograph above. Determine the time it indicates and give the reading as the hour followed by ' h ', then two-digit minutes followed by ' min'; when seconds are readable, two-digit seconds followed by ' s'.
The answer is 11 h 26 min
